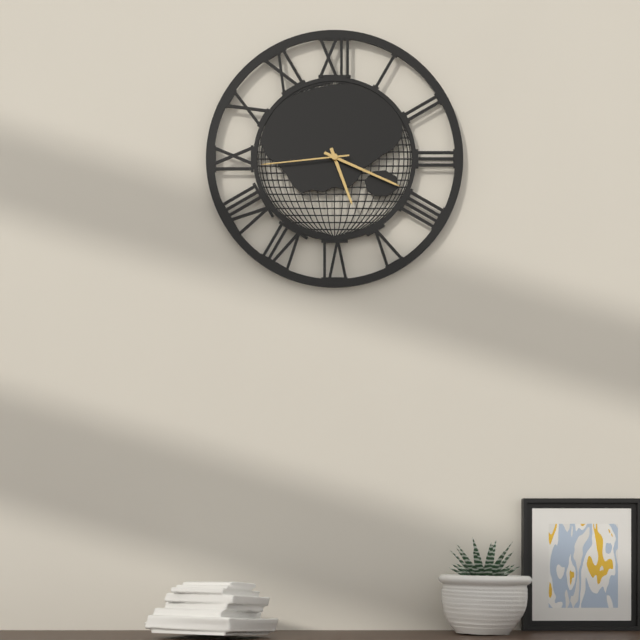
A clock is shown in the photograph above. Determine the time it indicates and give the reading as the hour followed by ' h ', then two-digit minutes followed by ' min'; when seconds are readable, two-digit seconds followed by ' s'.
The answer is 5 h 19 min 44 s
